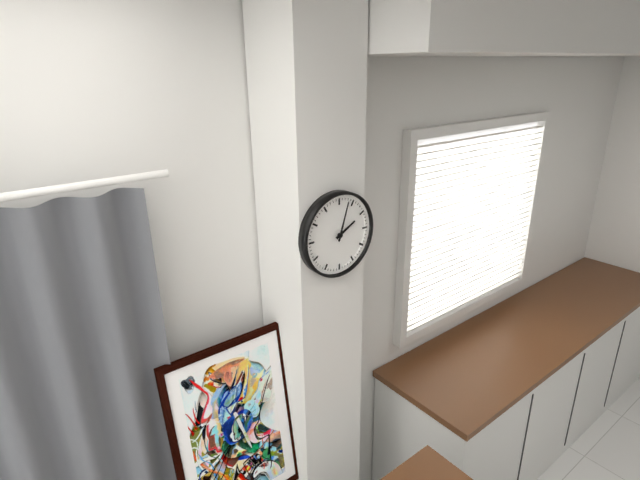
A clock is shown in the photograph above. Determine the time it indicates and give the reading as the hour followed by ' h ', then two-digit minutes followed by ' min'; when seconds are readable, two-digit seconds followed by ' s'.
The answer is 2 h 03 min
